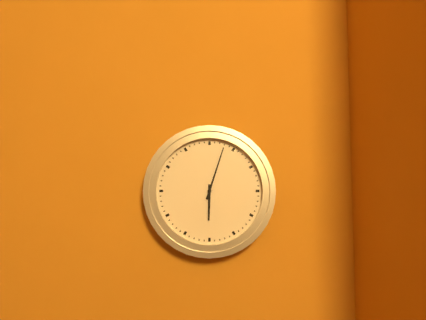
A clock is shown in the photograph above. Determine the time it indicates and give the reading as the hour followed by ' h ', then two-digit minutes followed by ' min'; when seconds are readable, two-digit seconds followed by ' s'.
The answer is 6 h 03 min
